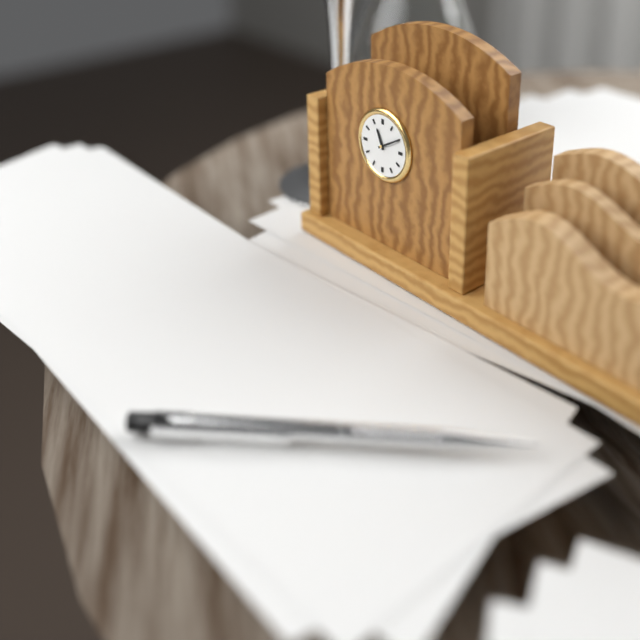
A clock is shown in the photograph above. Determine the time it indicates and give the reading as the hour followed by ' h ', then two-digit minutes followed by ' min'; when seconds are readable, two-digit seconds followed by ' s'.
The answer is 11 h 10 min
